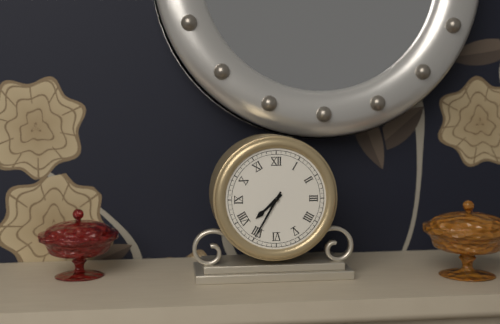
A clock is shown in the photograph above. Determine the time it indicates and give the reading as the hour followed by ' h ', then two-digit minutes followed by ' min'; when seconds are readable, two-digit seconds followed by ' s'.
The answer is 7 h 35 min
